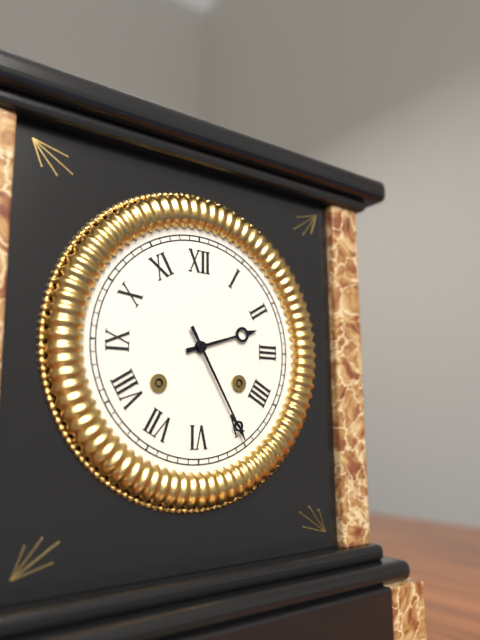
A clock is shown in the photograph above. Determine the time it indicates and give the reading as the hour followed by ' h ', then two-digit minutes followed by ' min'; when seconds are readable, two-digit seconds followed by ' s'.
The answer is 2 h 25 min
